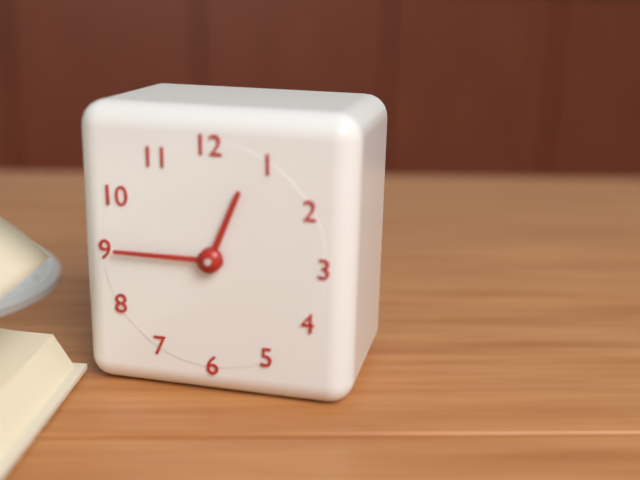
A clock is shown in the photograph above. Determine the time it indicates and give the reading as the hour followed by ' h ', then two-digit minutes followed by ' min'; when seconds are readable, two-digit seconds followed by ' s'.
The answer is 12 h 45 min
